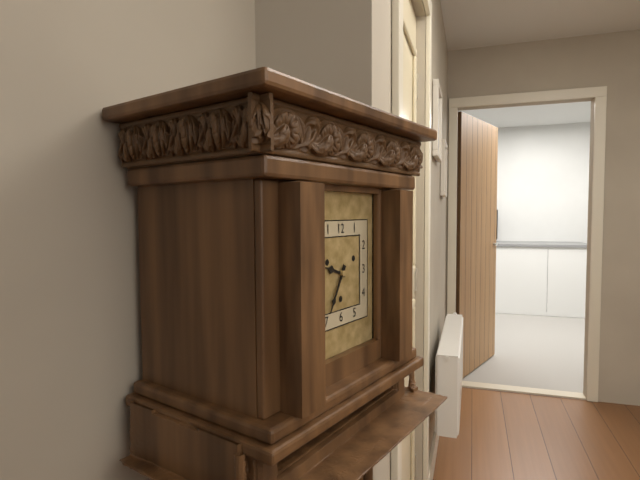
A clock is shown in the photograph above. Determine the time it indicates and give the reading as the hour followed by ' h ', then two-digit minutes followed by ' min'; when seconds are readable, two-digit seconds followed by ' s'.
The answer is 9 h 35 min
